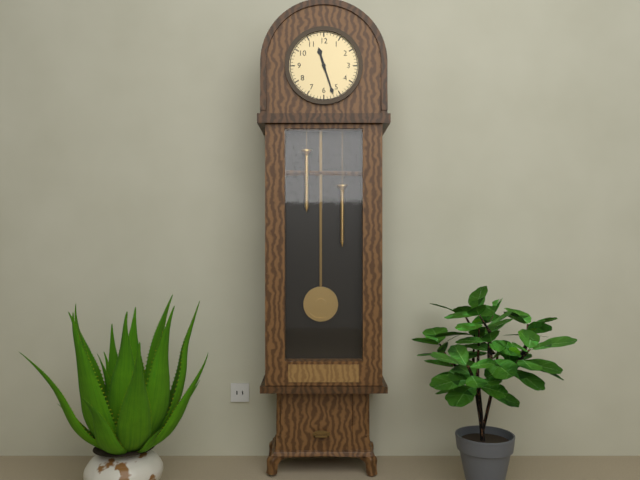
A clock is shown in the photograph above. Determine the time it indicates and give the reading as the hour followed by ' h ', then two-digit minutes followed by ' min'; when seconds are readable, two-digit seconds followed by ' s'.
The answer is 11 h 27 min
